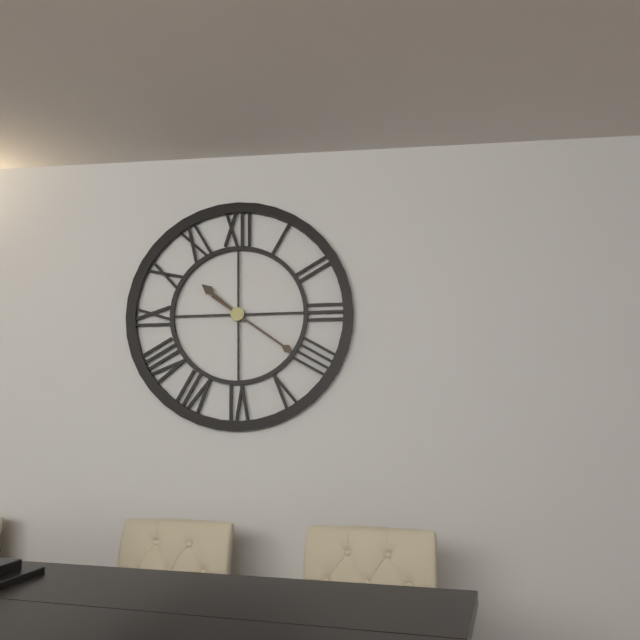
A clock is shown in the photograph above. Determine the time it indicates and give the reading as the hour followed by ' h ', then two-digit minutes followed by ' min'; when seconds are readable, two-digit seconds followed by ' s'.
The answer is 10 h 21 min
